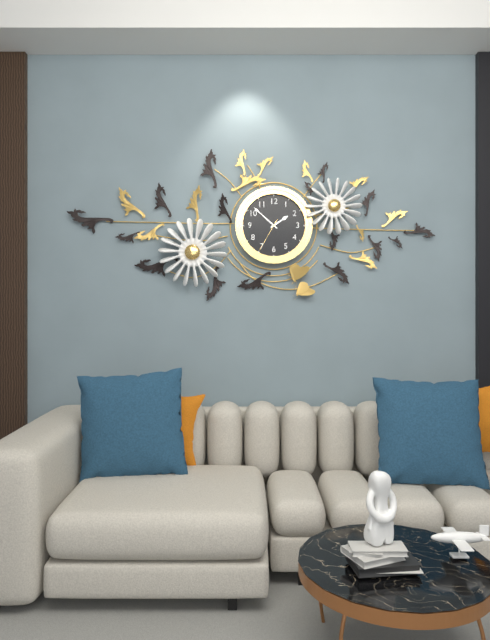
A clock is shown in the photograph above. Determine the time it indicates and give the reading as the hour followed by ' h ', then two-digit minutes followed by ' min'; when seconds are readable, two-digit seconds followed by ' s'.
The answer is 1 h 52 min
